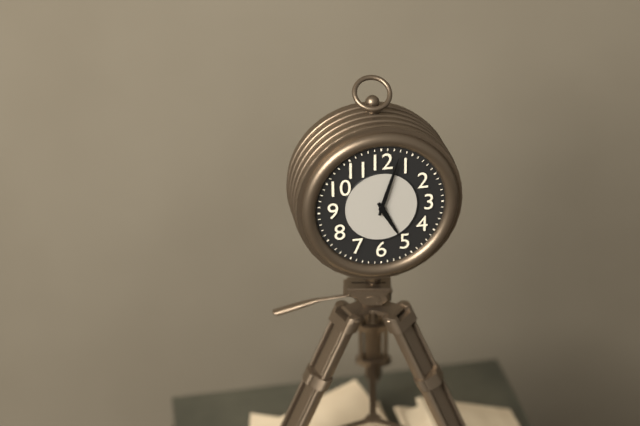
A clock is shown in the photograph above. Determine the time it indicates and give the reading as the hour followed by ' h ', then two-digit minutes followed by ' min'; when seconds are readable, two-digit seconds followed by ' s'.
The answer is 5 h 03 min
